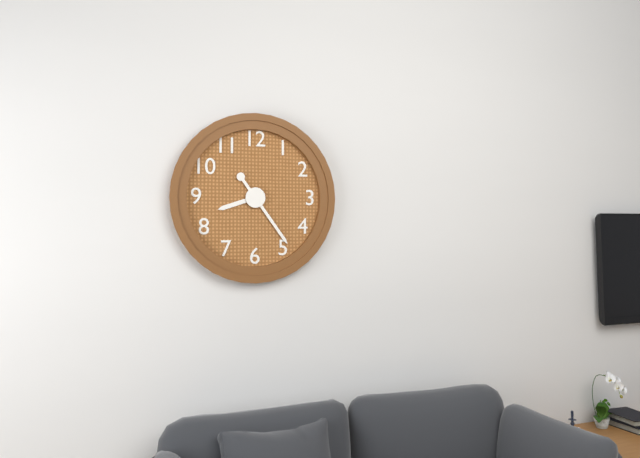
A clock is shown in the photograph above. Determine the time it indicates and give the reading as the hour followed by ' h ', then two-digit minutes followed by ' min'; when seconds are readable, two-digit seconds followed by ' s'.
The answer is 8 h 24 min
